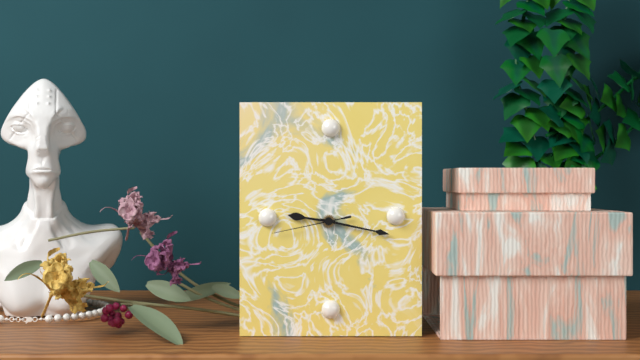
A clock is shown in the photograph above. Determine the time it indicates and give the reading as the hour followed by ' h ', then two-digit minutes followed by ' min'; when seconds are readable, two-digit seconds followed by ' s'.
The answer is 9 h 17 min 43 s
